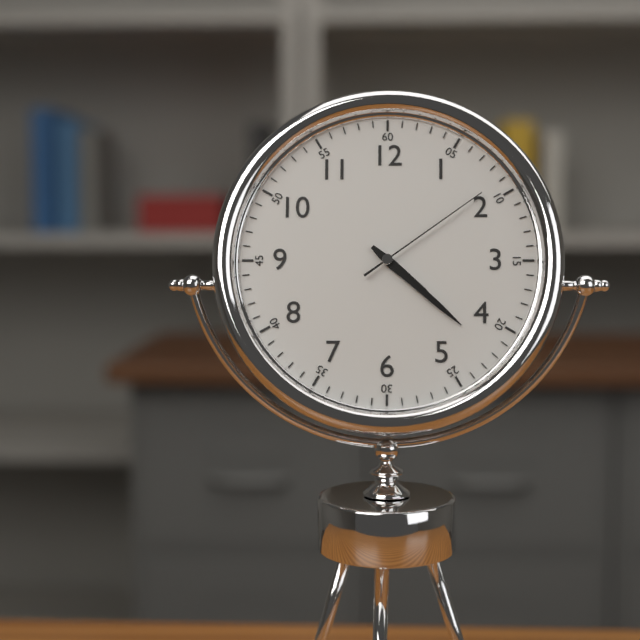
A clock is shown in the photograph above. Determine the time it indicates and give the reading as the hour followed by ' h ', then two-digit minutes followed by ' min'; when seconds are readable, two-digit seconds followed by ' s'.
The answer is 4 h 22 min 09 s
